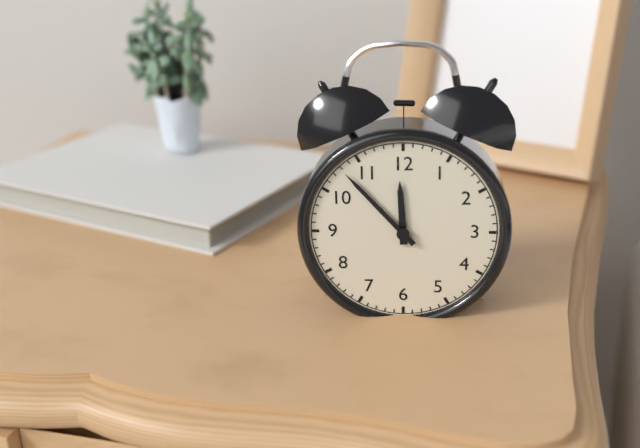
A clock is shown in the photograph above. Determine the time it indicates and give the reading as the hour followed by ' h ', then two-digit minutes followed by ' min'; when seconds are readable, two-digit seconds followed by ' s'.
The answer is 11 h 53 min
